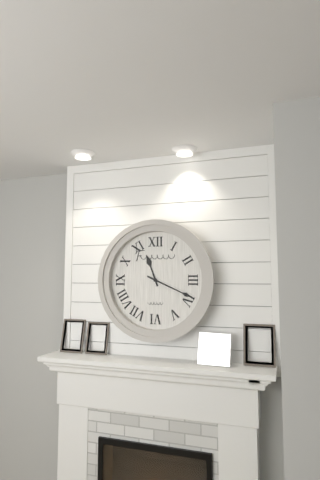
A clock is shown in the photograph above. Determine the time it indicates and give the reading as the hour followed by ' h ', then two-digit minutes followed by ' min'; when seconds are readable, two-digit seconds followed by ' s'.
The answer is 11 h 19 min
